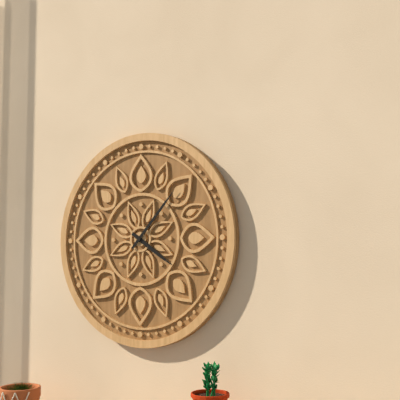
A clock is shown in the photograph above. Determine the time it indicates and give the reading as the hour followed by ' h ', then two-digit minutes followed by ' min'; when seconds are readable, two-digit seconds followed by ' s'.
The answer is 4 h 07 min
